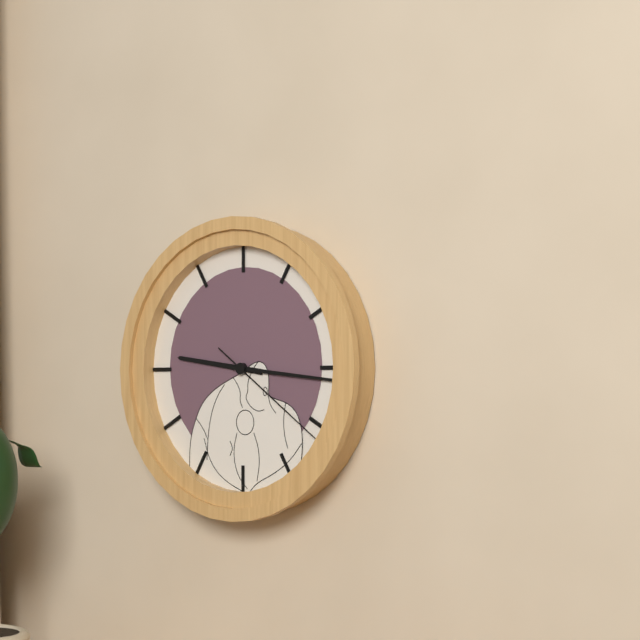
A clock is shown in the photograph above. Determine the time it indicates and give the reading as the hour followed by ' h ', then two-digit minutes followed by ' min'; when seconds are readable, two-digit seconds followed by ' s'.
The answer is 9 h 16 min 21 s
